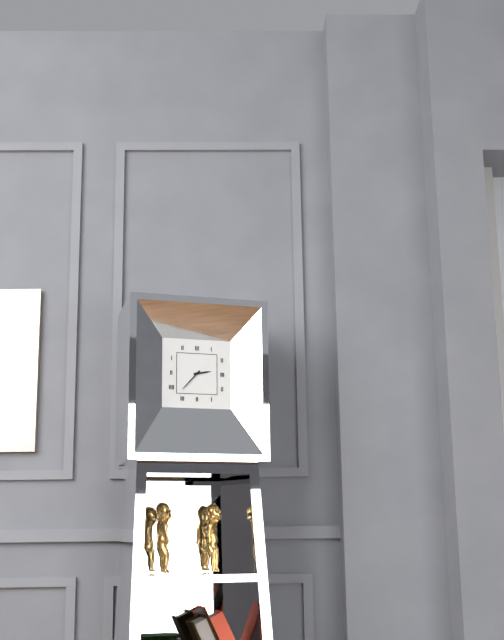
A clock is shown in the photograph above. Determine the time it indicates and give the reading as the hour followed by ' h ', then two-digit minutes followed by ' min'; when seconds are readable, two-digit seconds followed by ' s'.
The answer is 2 h 37 min
